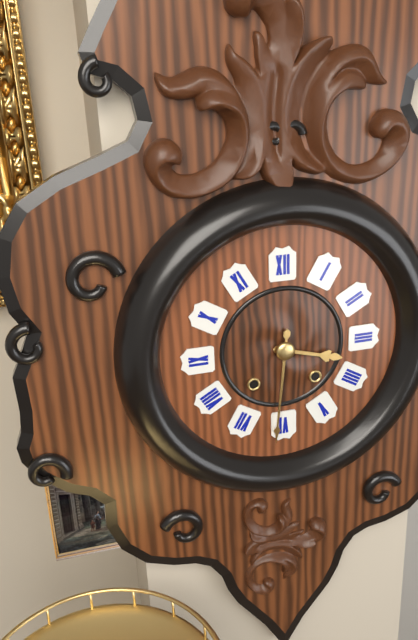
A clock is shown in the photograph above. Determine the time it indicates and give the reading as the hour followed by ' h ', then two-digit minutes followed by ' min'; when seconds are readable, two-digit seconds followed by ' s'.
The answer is 3 h 31 min
